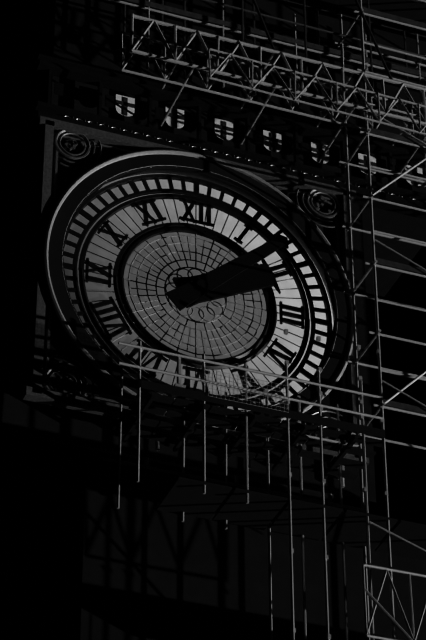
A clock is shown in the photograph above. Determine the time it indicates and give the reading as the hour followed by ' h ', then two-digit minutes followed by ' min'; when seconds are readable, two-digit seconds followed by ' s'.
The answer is 2 h 08 min
